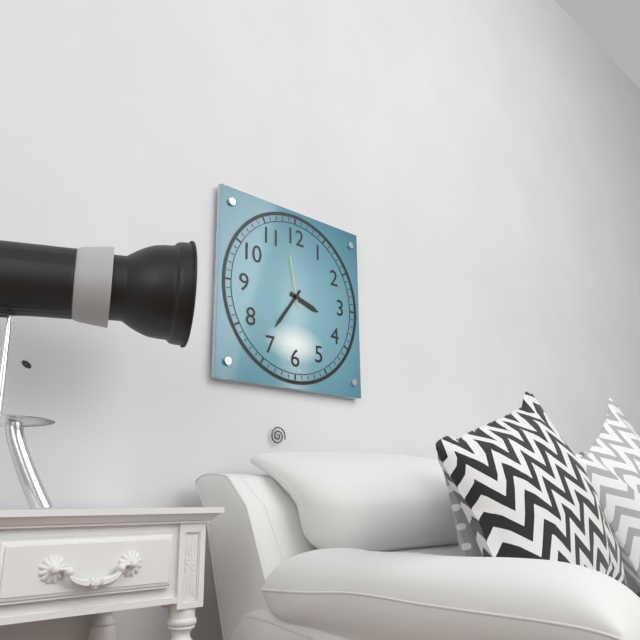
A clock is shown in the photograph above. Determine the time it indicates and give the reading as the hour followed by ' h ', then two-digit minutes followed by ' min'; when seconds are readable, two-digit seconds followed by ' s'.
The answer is 3 h 36 min 58 s
